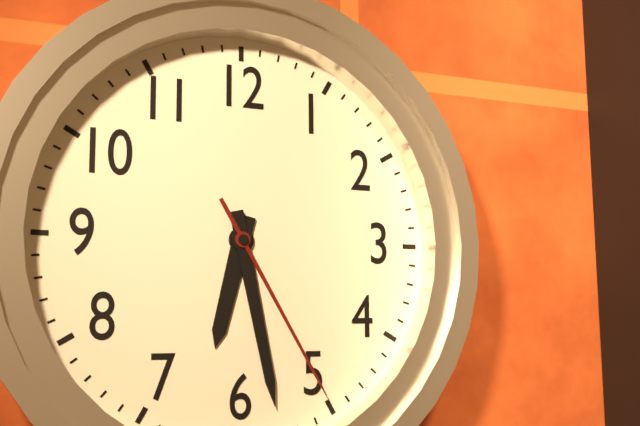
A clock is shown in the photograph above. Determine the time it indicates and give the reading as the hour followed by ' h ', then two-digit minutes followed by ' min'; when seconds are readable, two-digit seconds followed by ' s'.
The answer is 6 h 28 min 25 s
